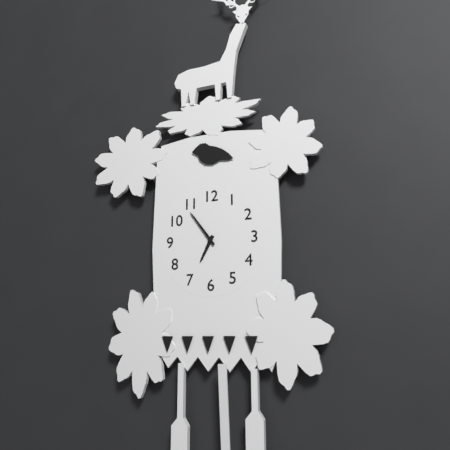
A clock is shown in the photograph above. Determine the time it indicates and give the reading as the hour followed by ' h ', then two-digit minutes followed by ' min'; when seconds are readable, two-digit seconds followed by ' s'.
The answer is 6 h 54 min
